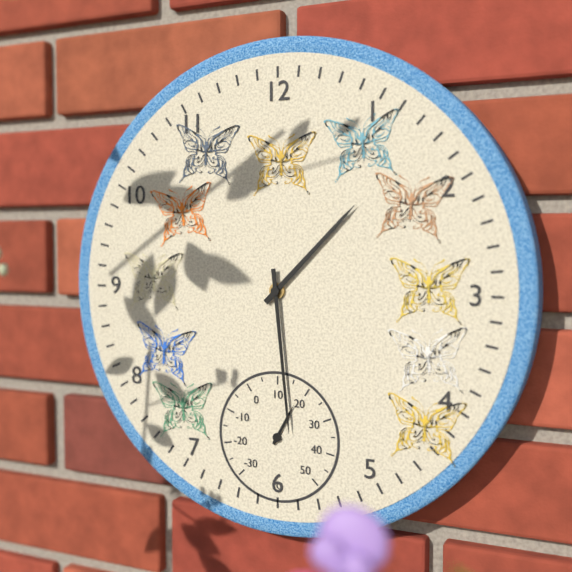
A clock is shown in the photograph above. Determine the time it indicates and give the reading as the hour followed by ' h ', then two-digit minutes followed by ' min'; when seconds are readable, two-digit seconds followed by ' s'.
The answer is 1 h 29 min
